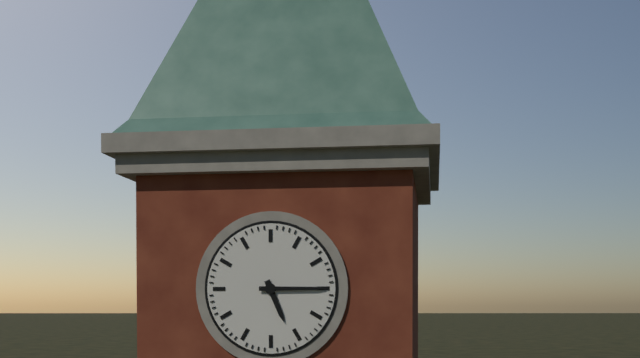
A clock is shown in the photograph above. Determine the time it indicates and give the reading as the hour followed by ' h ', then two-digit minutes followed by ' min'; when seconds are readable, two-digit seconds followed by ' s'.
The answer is 5 h 15 min
